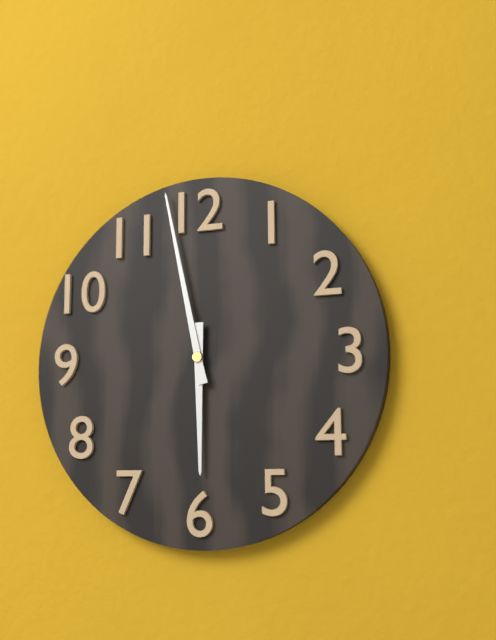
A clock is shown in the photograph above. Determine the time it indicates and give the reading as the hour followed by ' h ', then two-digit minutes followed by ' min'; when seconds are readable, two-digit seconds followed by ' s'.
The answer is 5 h 58 min
